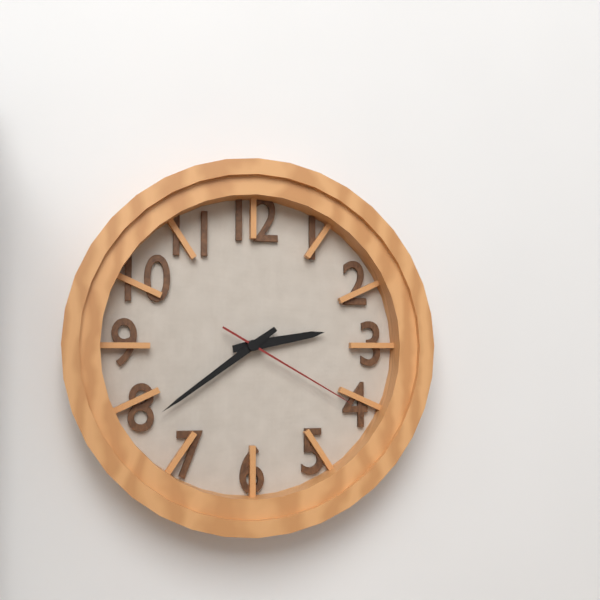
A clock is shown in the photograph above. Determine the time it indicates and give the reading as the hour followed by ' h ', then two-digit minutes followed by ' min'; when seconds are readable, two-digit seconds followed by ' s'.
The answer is 2 h 39 min 20 s
